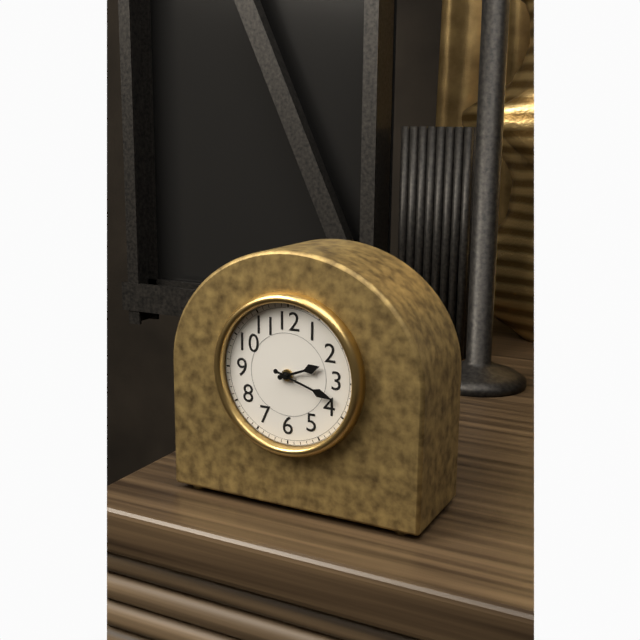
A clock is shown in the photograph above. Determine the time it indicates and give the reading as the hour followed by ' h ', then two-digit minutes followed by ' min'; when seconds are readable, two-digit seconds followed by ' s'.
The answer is 2 h 18 min
